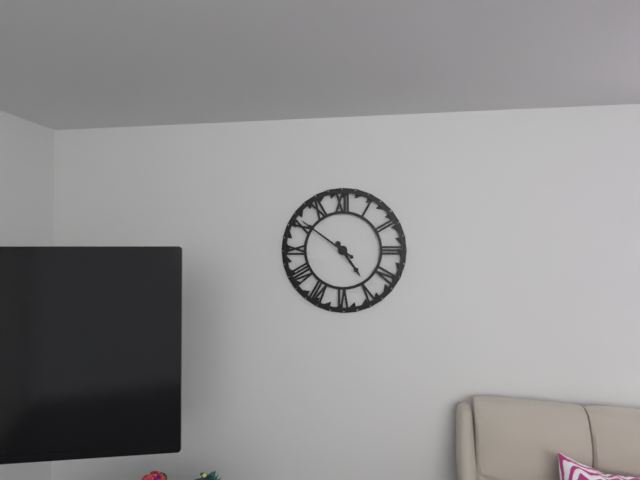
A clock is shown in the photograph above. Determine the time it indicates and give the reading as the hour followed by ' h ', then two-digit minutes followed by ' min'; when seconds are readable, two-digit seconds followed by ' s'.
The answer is 4 h 51 min
